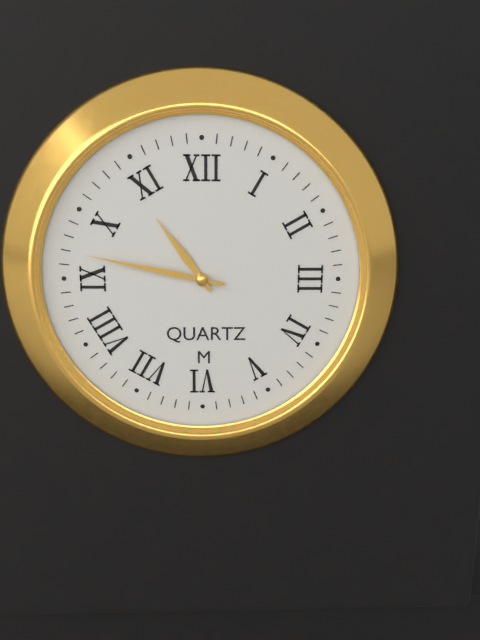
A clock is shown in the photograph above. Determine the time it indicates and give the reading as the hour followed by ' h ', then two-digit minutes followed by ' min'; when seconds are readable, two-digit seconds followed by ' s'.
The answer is 10 h 47 min
